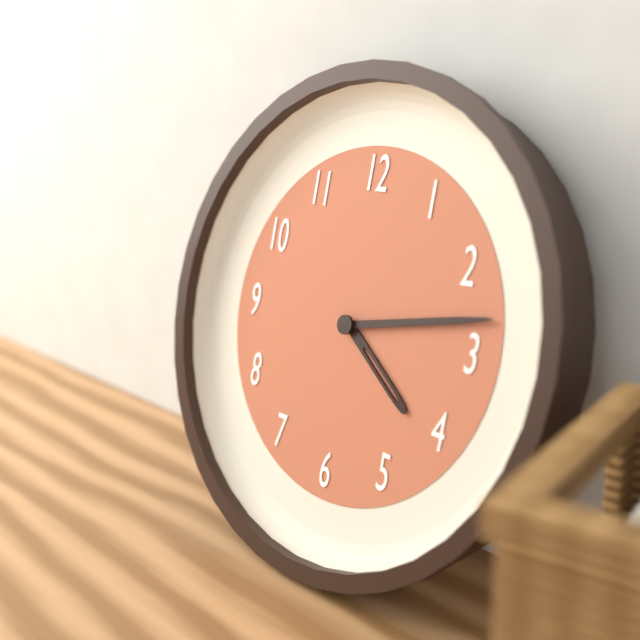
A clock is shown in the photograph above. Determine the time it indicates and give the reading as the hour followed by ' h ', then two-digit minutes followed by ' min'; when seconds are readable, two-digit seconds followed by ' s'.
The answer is 4 h 13 min
